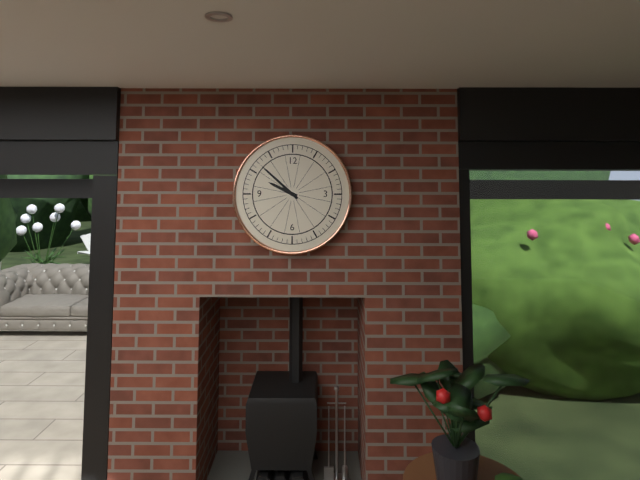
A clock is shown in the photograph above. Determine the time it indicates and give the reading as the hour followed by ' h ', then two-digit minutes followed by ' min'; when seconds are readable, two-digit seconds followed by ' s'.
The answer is 9 h 52 min
